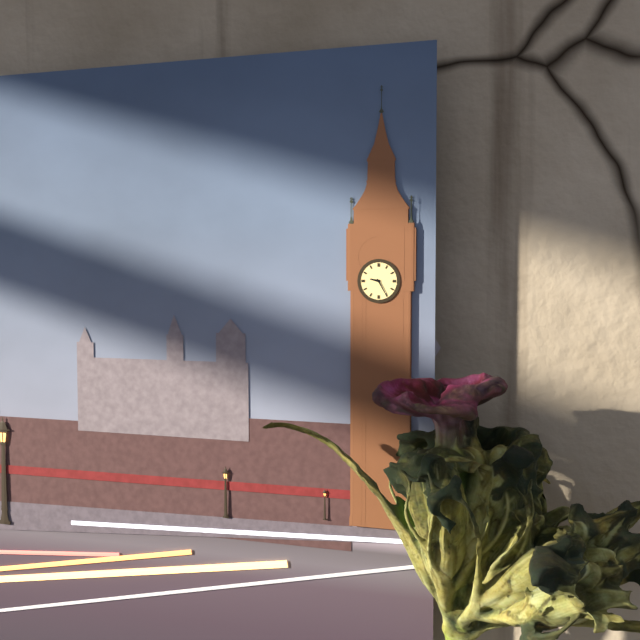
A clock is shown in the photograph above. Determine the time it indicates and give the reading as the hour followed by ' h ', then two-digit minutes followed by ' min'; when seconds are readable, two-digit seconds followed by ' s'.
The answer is 9 h 25 min
